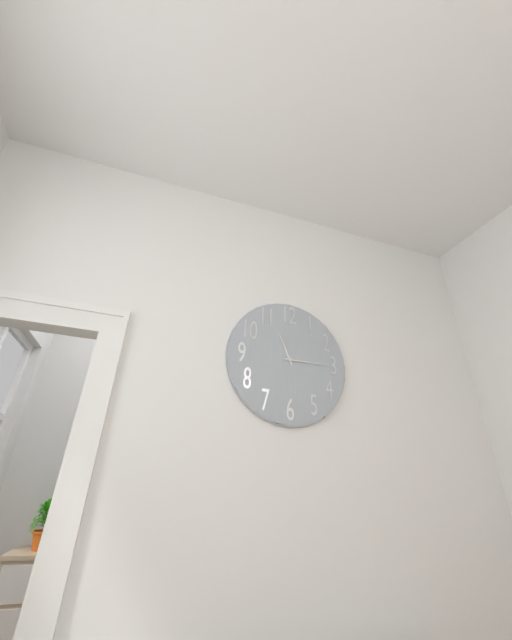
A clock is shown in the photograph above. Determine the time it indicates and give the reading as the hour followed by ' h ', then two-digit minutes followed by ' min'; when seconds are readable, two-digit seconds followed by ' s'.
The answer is 11 h 15 min
